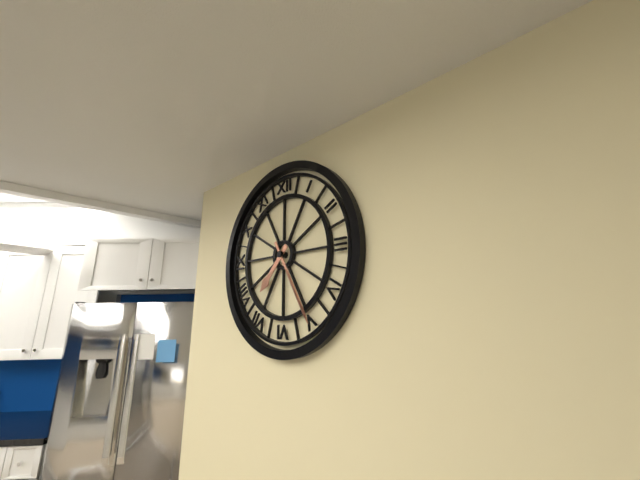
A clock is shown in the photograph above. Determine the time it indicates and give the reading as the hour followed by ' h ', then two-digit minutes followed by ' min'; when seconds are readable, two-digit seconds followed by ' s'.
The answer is 7 h 25 min
